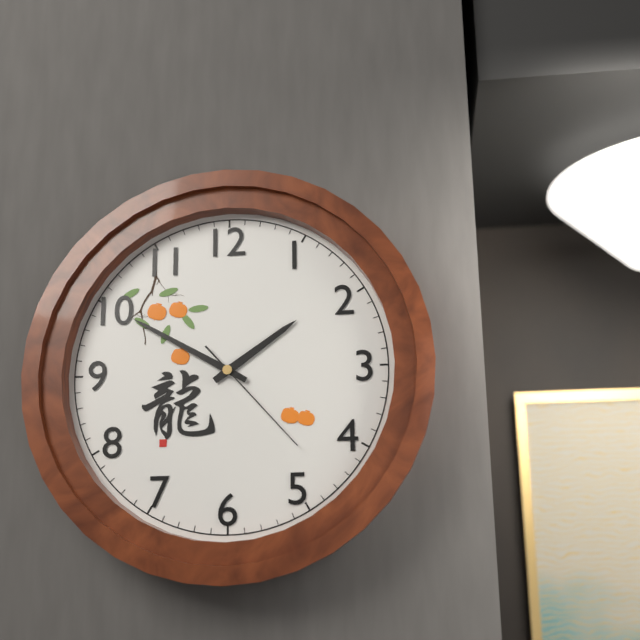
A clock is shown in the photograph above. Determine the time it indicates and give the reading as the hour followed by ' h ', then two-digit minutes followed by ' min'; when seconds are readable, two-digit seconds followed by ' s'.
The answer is 1 h 50 min 23 s
